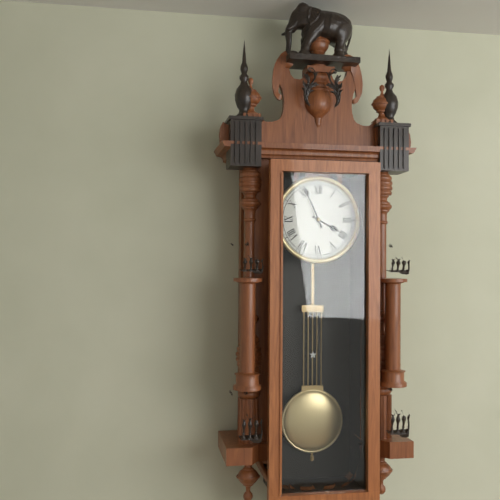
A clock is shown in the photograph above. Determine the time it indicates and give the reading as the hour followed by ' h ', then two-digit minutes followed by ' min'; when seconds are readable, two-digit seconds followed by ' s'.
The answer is 3 h 56 min
